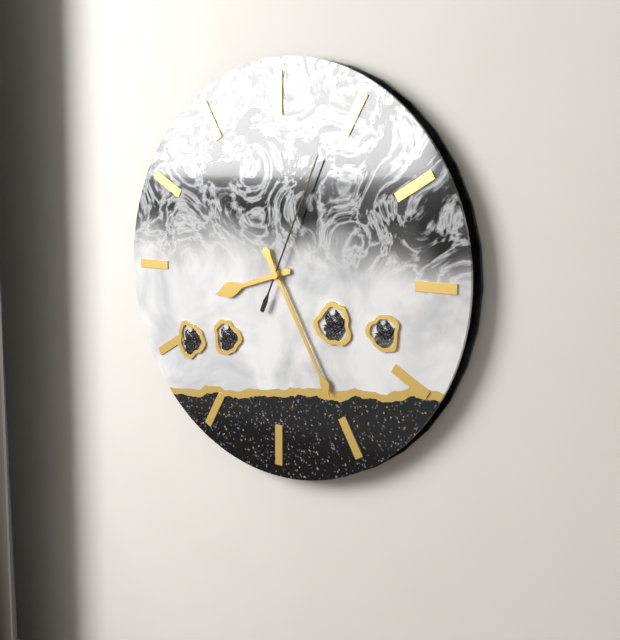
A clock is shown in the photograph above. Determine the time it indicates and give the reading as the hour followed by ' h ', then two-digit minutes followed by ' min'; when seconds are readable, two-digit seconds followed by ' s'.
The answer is 8 h 25 min 04 s
